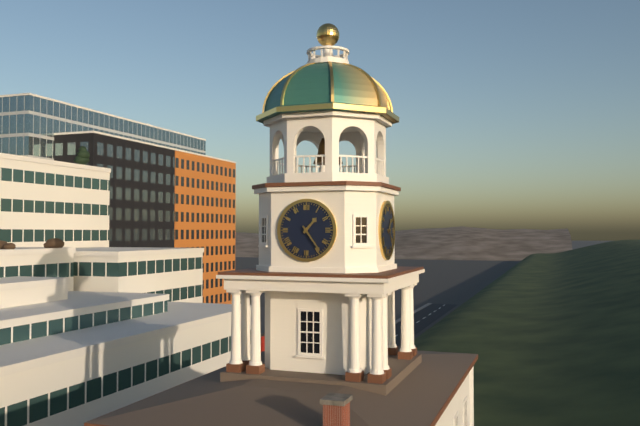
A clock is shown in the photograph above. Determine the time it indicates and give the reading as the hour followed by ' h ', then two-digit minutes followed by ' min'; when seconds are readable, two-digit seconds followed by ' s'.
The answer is 1 h 24 min
